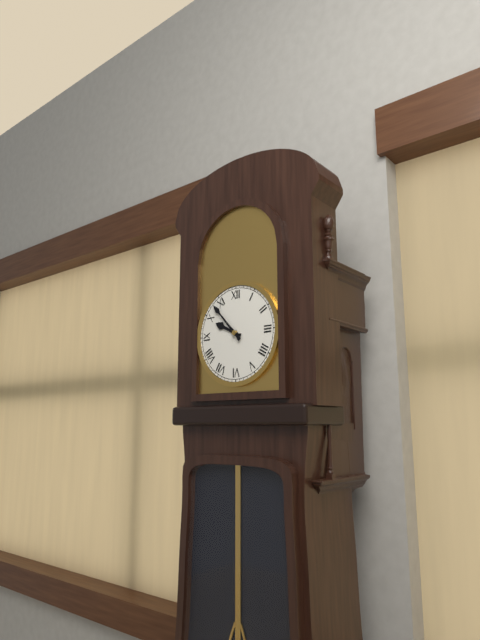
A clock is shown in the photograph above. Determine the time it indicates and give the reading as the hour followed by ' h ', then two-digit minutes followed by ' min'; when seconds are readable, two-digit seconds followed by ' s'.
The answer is 9 h 53 min
